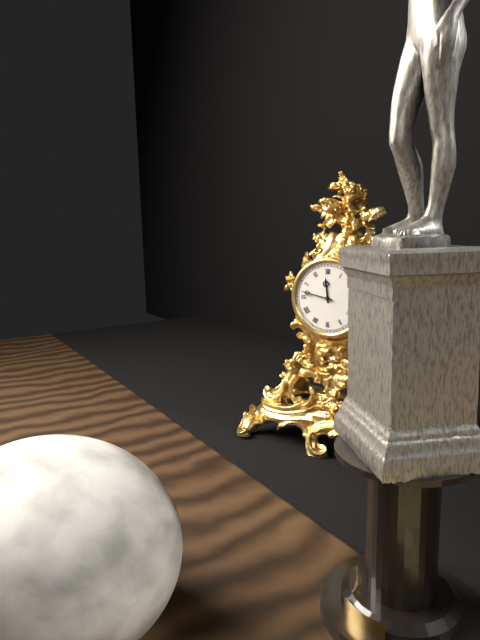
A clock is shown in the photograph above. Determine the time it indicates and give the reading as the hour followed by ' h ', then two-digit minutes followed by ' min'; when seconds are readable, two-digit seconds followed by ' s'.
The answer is 11 h 47 min
